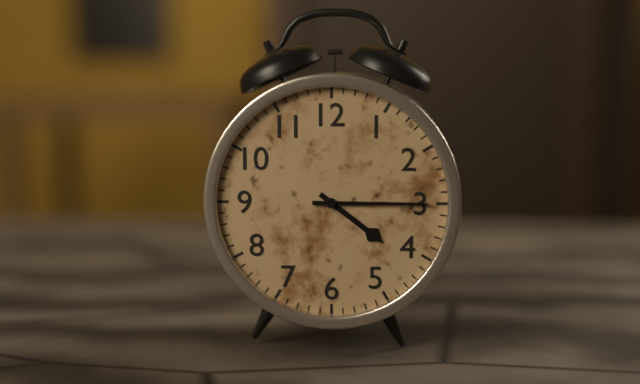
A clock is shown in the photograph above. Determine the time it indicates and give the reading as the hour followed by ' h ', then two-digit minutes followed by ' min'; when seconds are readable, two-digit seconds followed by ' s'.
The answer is 4 h 15 min
